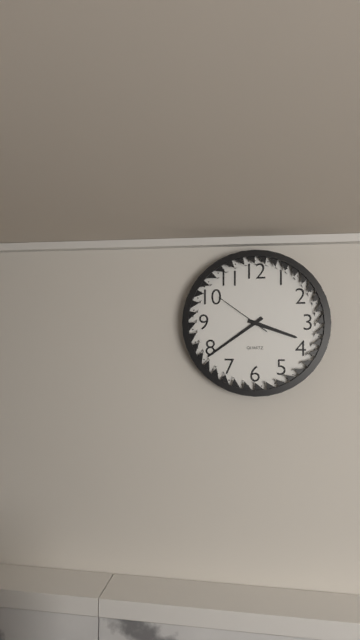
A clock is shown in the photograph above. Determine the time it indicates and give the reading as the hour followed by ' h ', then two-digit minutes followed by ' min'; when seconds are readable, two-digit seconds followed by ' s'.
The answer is 3 h 39 min 51 s
